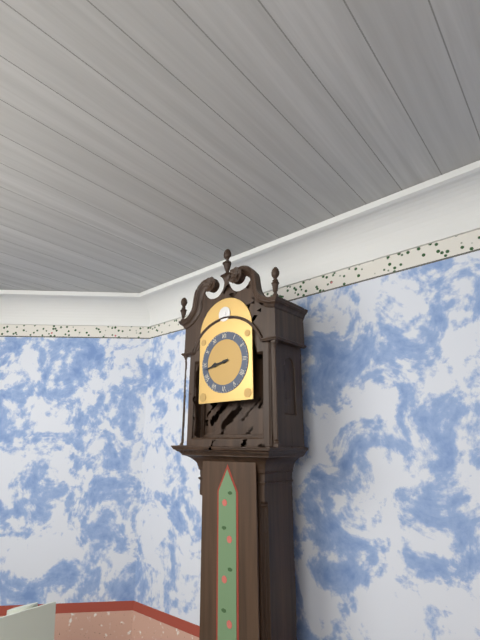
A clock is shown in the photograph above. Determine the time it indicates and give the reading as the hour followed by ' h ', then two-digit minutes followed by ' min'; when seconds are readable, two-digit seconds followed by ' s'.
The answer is 8 h 43 min
